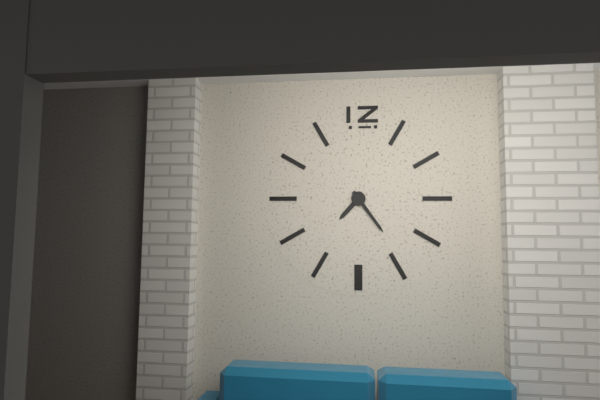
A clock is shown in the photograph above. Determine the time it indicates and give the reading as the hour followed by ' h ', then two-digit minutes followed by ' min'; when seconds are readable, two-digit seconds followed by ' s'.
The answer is 7 h 24 min
